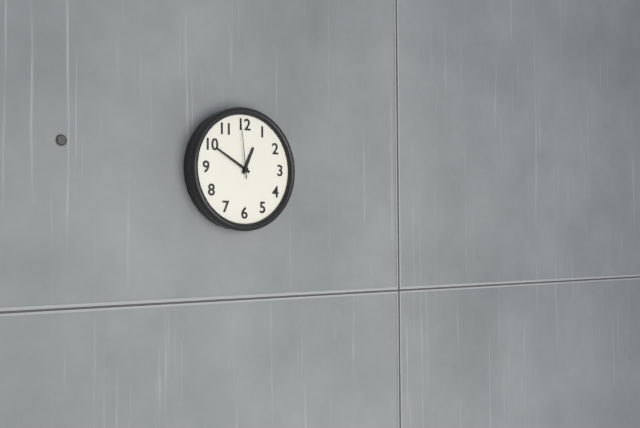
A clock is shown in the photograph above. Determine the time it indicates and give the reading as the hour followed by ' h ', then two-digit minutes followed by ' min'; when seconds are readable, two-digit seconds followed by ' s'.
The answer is 12 h 50 min 59 s
